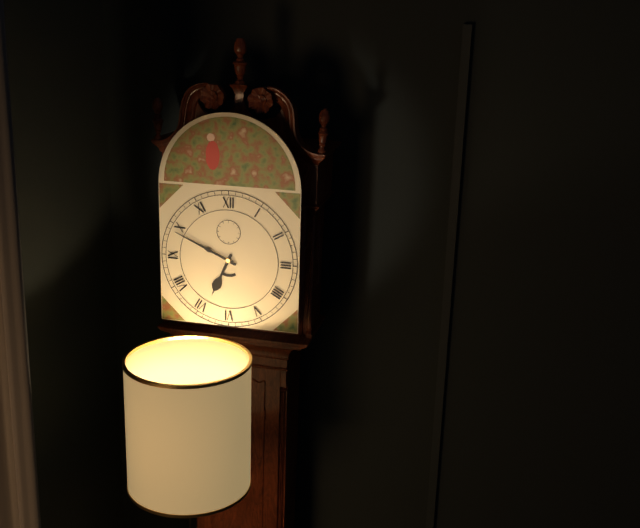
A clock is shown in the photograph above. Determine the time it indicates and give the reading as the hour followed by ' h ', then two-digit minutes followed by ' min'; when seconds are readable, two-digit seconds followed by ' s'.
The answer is 6 h 49 min
